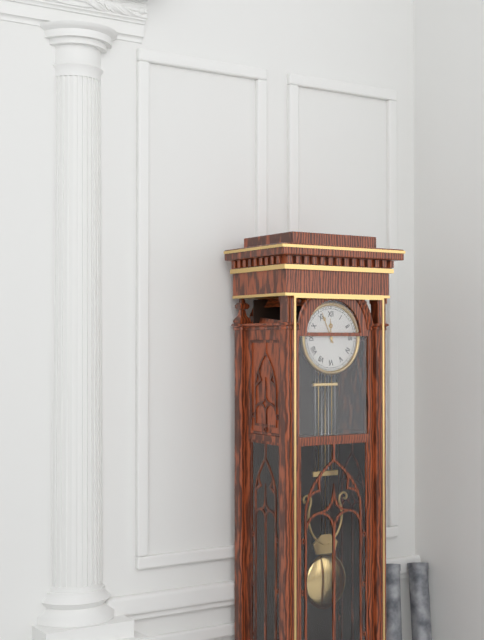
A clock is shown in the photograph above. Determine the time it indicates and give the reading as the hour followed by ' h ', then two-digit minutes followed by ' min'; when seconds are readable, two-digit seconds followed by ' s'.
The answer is 11 h 56 min
